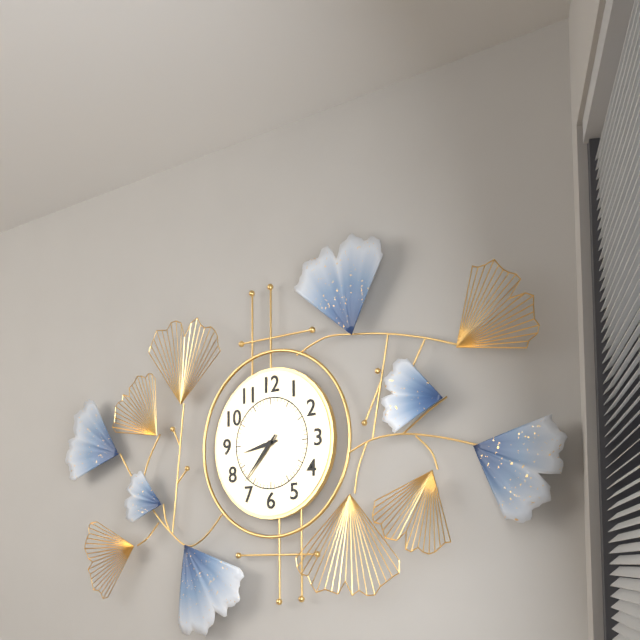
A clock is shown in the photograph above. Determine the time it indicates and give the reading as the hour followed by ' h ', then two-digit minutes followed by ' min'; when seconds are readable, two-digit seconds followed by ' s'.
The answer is 8 h 37 min
